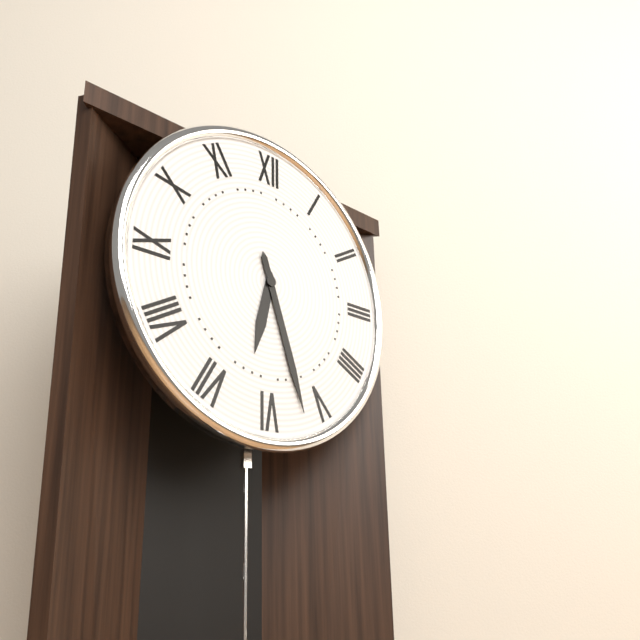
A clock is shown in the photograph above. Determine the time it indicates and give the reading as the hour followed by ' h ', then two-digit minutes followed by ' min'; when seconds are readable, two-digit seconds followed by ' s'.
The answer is 6 h 27 min
